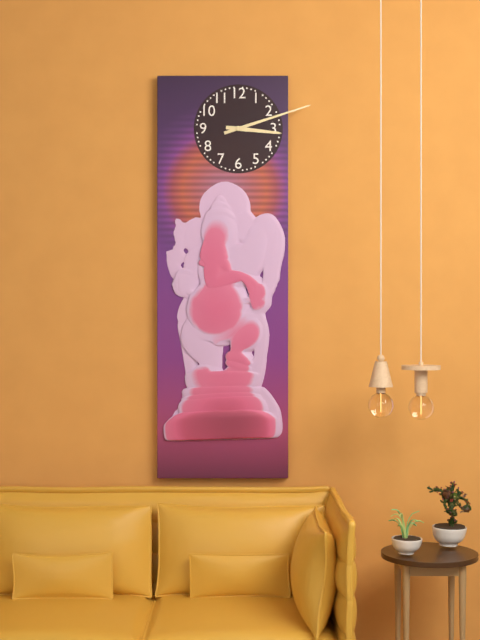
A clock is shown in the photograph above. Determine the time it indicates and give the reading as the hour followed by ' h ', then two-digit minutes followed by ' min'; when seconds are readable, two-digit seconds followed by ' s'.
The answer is 3 h 12 min
